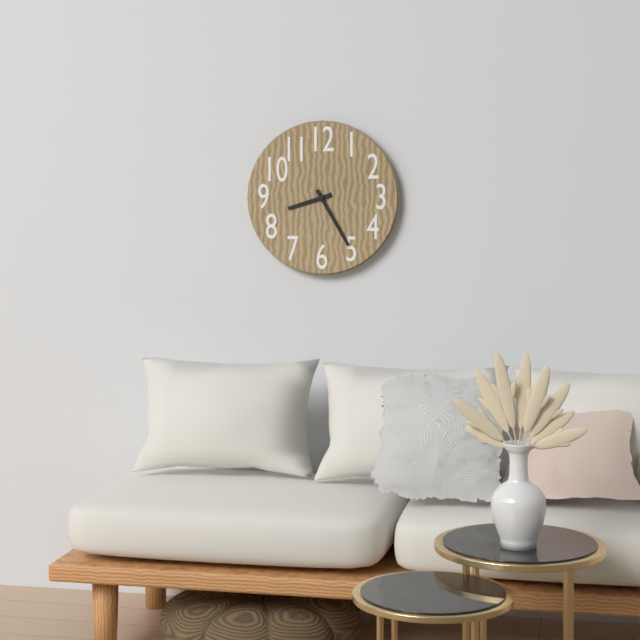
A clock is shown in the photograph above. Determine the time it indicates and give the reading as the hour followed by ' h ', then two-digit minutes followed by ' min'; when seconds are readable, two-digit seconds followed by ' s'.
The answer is 8 h 25 min
